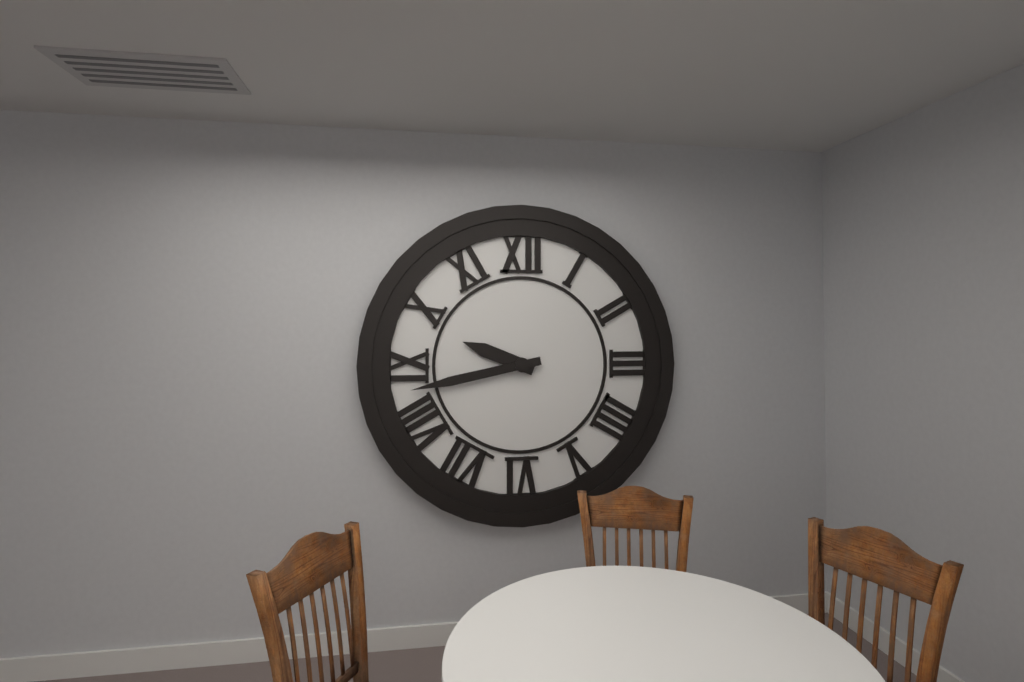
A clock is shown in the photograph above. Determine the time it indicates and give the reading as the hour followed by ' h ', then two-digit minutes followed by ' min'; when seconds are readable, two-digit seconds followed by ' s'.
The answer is 9 h 43 min
